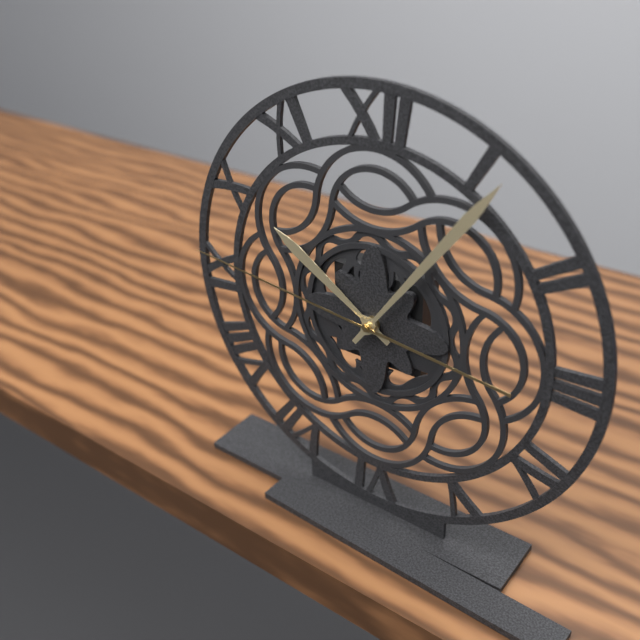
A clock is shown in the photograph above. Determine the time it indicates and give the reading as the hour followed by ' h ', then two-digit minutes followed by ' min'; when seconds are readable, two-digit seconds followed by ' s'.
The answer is 10 h 06 min 46 s
